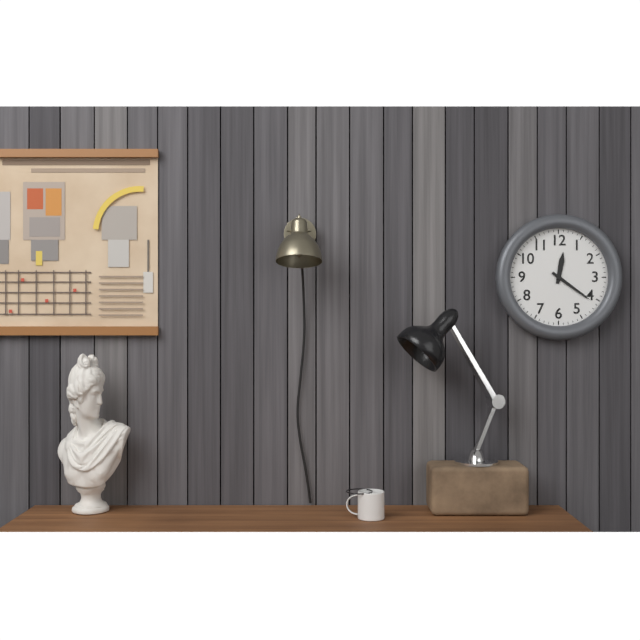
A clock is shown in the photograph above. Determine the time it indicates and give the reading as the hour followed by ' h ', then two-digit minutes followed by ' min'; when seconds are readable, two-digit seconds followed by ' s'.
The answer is 12 h 21 min
